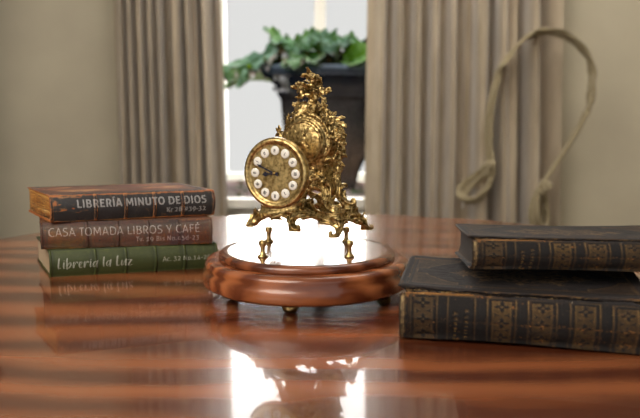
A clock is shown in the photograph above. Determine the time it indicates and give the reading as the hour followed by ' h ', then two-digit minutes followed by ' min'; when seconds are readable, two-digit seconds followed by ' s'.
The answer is 8 h 49 min
